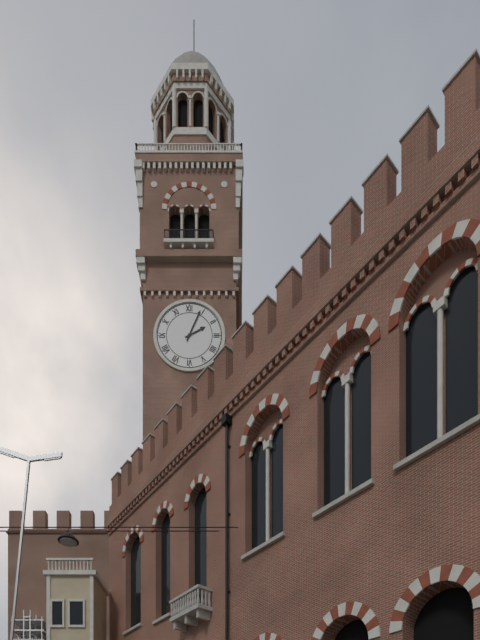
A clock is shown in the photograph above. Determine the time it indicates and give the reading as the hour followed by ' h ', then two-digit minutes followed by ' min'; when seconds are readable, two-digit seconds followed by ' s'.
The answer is 2 h 04 min
